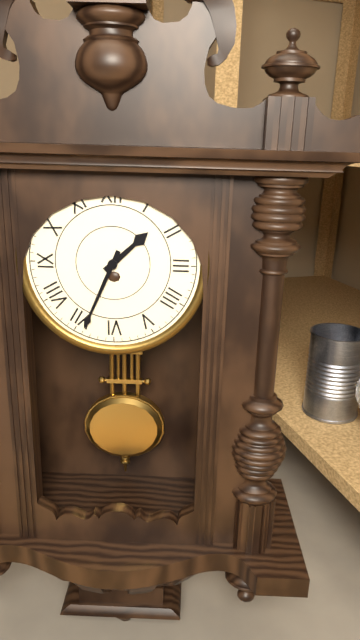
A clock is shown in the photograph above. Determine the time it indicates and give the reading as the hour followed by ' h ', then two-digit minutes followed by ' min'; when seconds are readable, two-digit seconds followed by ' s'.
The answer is 1 h 34 min
